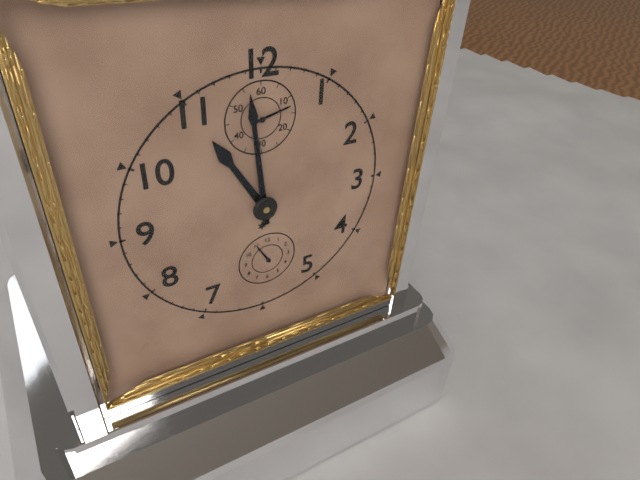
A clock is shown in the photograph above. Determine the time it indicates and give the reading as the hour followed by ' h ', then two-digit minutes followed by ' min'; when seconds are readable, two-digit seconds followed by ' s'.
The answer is 10 h 59 min
